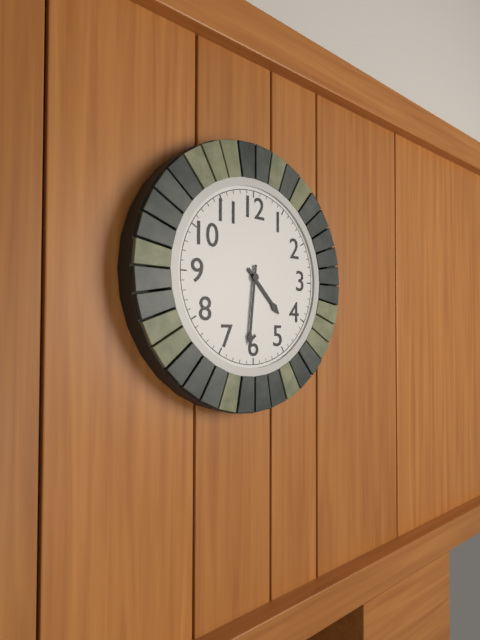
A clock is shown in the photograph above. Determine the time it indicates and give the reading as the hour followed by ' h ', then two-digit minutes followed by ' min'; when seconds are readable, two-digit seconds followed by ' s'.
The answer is 4 h 31 min
